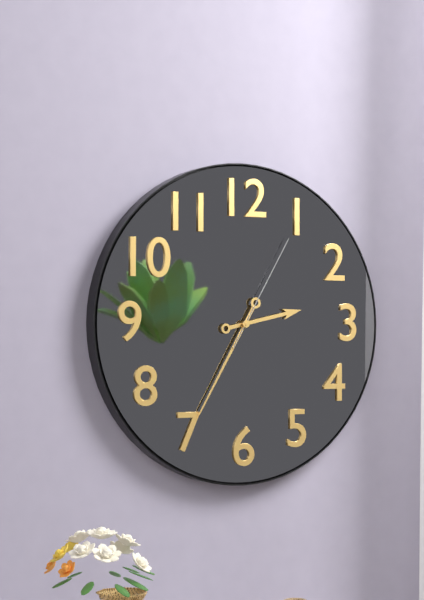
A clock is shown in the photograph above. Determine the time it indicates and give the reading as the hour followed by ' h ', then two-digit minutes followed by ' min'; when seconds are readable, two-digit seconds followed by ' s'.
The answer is 2 h 35 min 05 s
